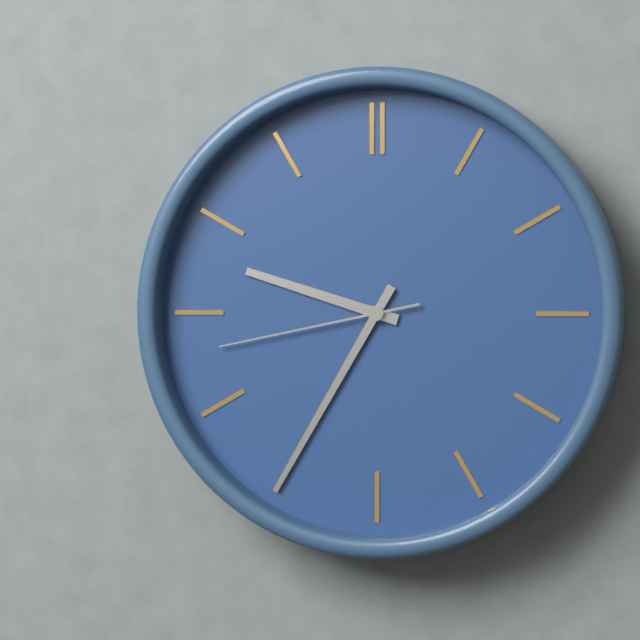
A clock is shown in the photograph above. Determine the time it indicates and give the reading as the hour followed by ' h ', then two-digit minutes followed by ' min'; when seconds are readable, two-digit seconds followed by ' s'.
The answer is 9 h 35 min 43 s
